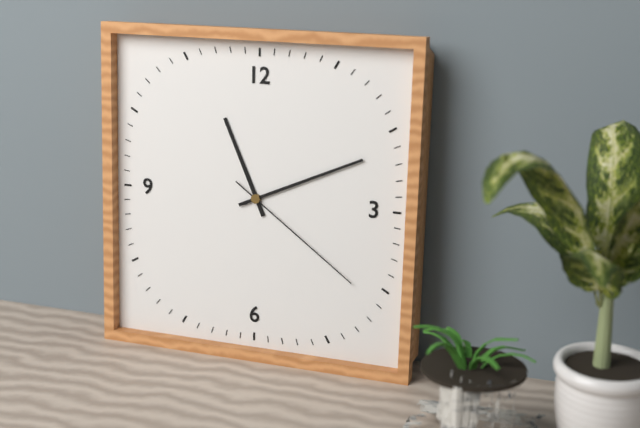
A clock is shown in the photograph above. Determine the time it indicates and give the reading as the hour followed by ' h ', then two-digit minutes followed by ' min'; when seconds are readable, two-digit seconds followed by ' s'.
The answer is 11 h 11 min 21 s
